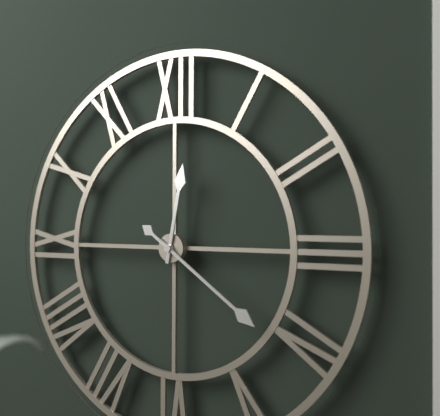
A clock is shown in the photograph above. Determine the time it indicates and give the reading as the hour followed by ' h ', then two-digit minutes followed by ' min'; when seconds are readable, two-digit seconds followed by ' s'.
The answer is 12 h 21 min
